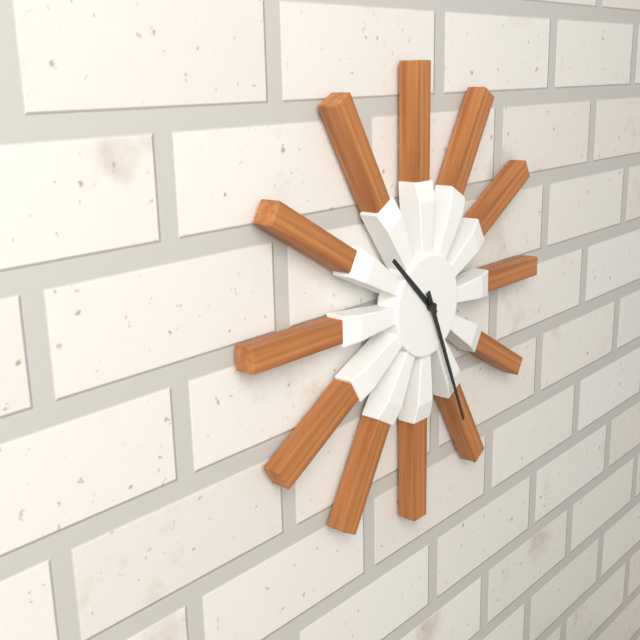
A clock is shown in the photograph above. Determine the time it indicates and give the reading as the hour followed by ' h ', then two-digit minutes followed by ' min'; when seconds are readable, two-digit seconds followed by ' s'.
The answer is 10 h 26 min
